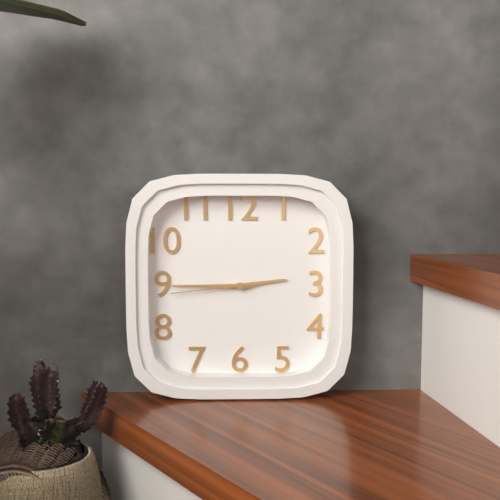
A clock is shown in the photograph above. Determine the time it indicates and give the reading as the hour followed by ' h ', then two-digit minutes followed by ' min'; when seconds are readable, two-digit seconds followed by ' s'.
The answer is 2 h 45 min 44 s
